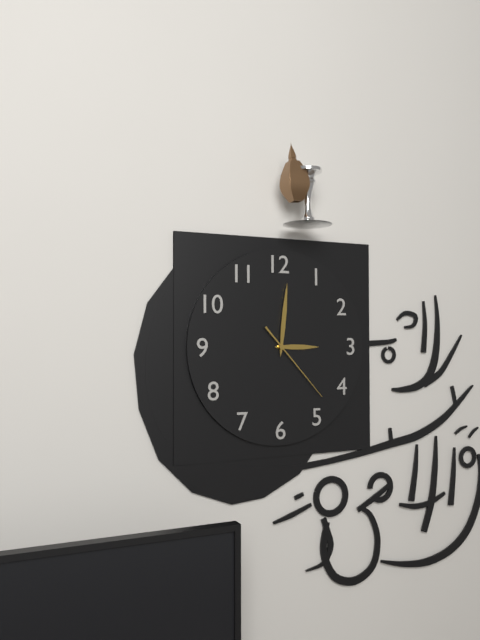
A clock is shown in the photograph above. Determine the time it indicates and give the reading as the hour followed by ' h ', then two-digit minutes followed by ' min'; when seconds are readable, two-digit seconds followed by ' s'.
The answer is 3 h 01 min 23 s
